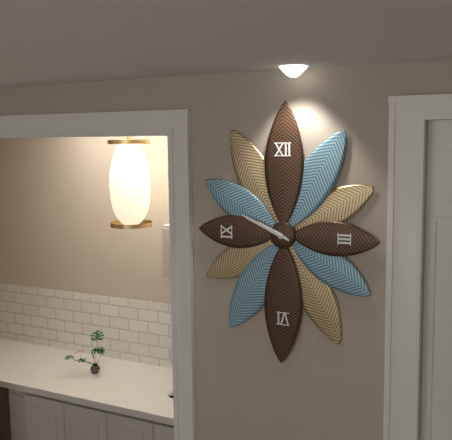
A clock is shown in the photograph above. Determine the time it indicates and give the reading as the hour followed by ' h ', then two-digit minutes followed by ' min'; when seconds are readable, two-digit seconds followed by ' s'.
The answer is 9 h 49 min
